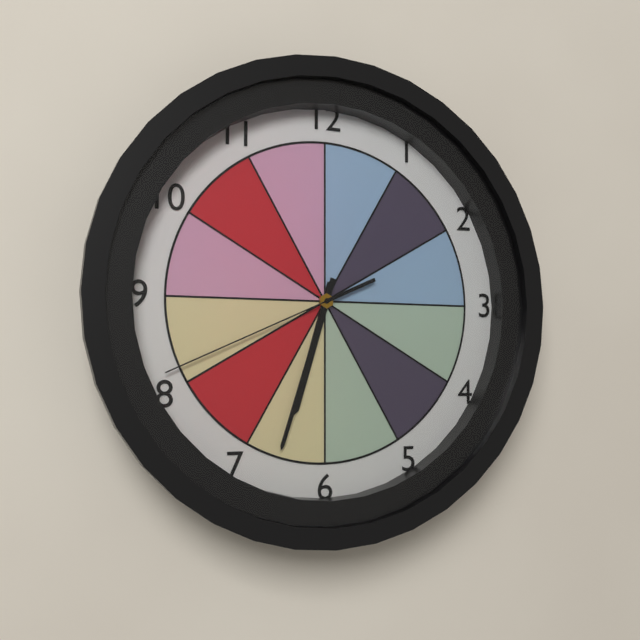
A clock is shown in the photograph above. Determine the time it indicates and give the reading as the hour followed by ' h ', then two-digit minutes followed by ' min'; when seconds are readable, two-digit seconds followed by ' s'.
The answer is 6 h 33 min 41 s
